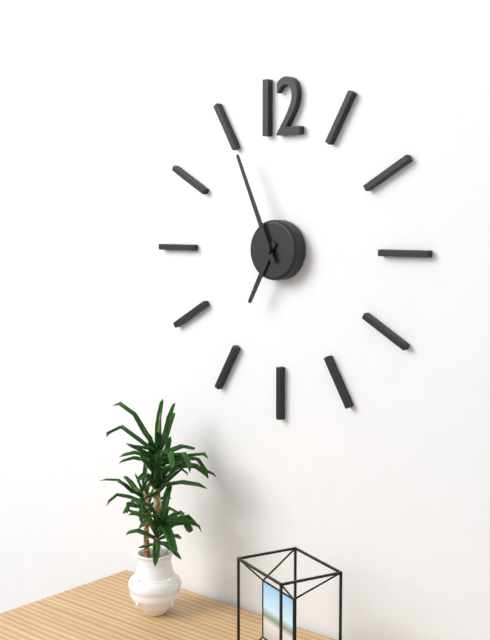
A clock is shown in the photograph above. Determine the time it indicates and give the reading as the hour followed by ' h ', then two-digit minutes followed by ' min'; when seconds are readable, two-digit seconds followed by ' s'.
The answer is 6 h 56 min
